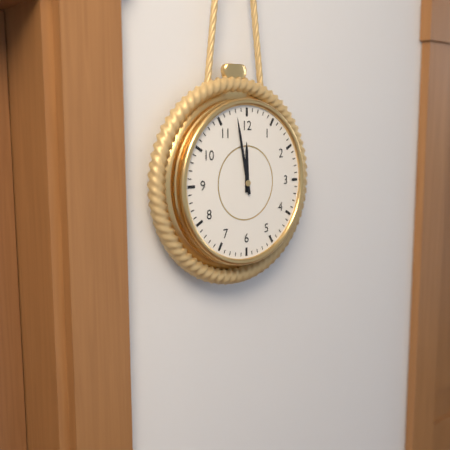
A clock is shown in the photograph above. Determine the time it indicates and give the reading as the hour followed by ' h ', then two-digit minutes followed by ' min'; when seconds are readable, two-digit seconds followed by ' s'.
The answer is 11 h 58 min
